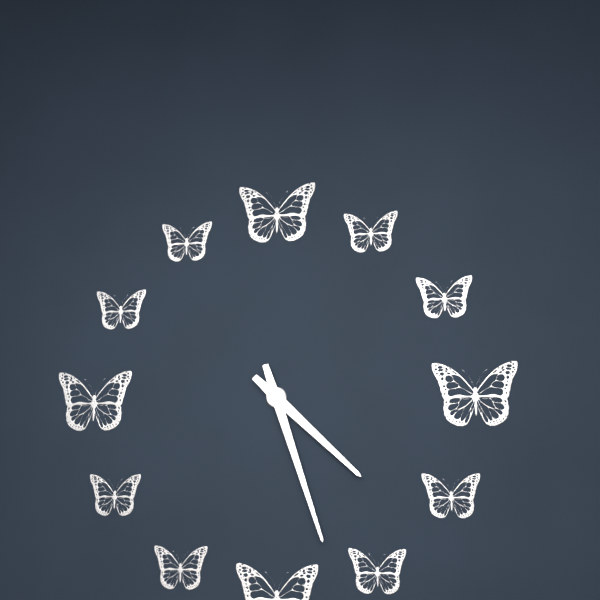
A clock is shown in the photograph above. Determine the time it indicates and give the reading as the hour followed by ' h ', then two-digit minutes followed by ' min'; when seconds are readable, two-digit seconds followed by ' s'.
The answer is 4 h 27 min
